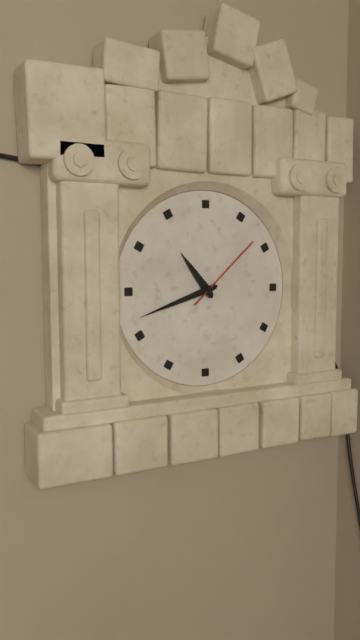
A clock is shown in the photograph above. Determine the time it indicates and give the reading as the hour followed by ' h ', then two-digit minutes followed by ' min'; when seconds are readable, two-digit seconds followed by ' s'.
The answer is 10 h 42 min 08 s
